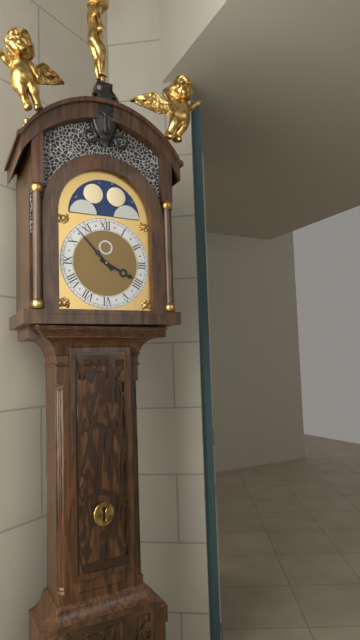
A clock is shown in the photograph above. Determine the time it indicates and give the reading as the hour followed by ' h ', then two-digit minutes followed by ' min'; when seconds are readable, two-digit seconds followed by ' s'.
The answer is 3 h 53 min
